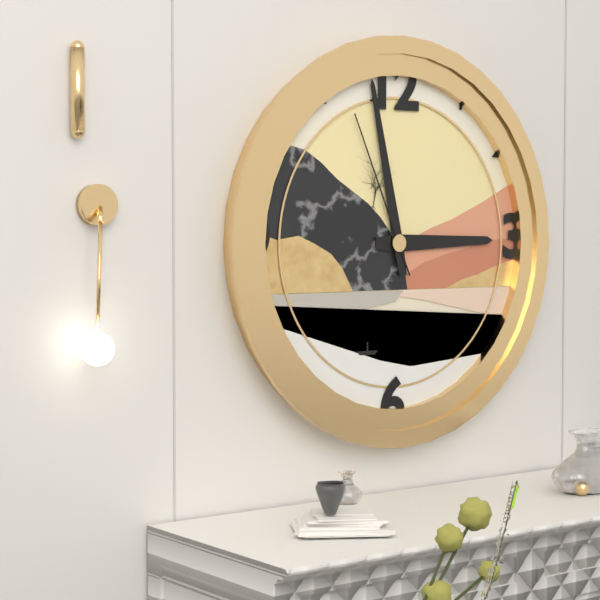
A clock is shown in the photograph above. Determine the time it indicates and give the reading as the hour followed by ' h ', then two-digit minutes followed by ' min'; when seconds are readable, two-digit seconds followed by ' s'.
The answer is 2 h 58 min 56 s
